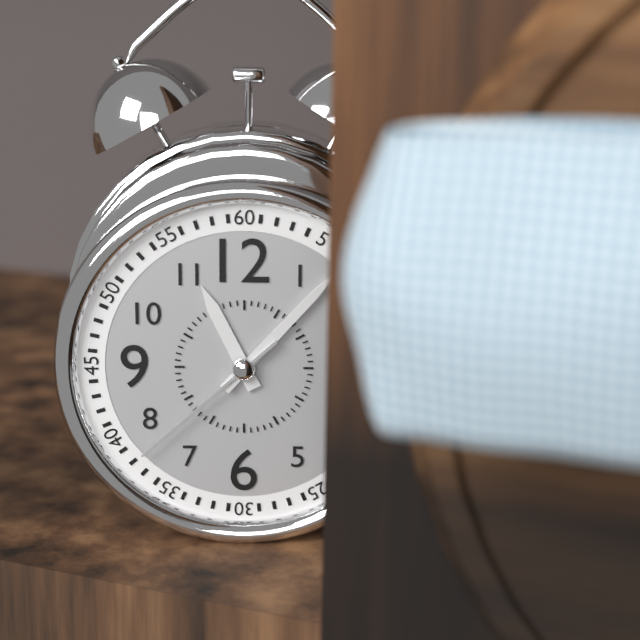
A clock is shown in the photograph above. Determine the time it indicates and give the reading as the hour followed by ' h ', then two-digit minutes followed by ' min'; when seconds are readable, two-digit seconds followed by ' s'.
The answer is 11 h 07 min 38 s
